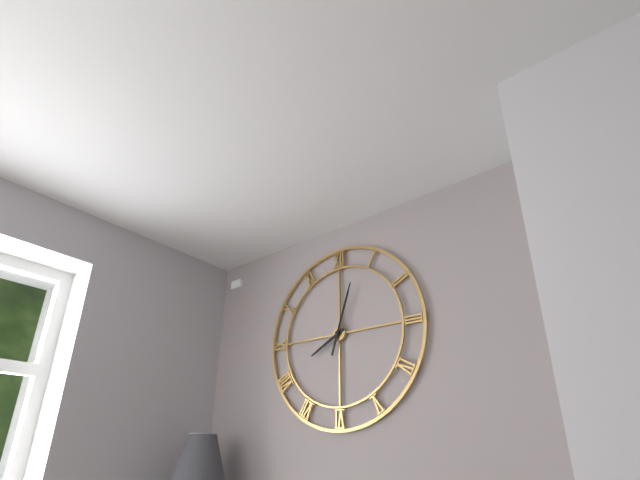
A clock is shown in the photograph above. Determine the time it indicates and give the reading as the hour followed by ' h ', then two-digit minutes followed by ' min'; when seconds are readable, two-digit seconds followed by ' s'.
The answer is 8 h 03 min
